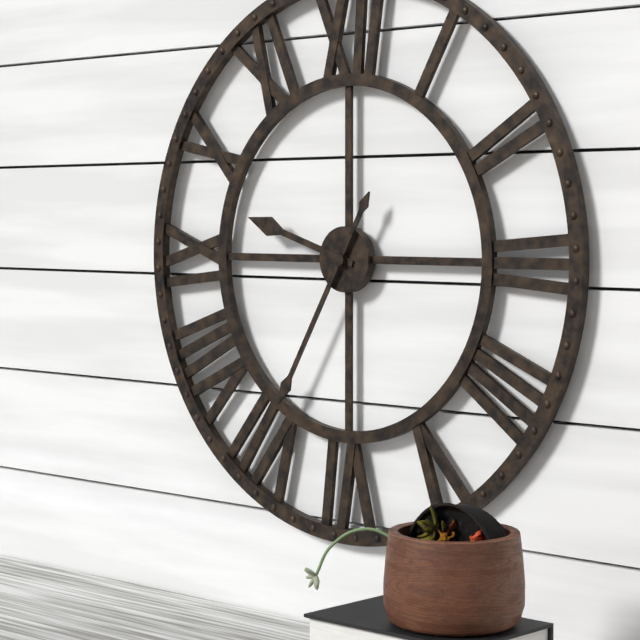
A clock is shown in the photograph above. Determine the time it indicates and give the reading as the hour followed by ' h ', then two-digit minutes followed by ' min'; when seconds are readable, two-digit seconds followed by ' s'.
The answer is 9 h 35 min
